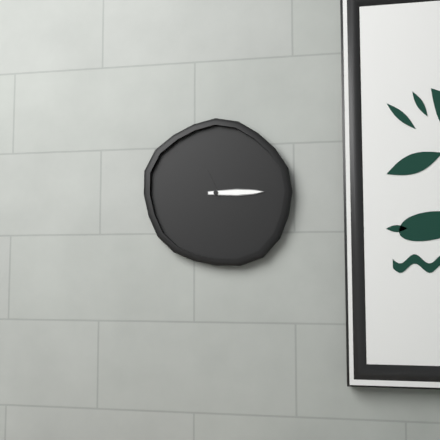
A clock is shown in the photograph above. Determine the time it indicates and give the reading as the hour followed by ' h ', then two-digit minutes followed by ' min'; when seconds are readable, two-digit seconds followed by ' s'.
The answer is 11 h 15 min
